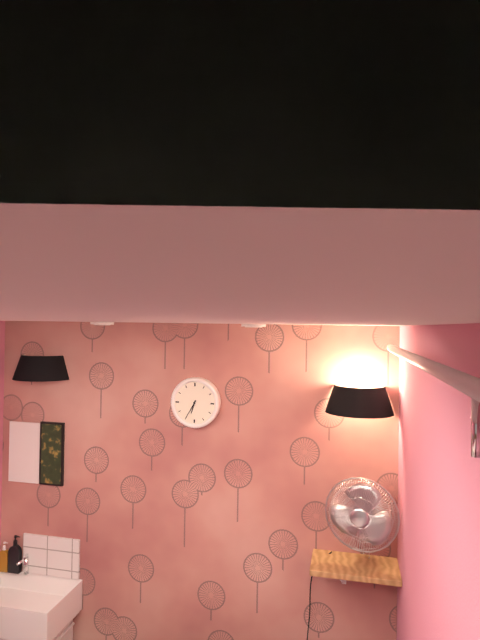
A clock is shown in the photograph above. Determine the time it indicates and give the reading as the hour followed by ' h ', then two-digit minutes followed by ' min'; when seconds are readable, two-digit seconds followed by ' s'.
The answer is 6 h 35 min
